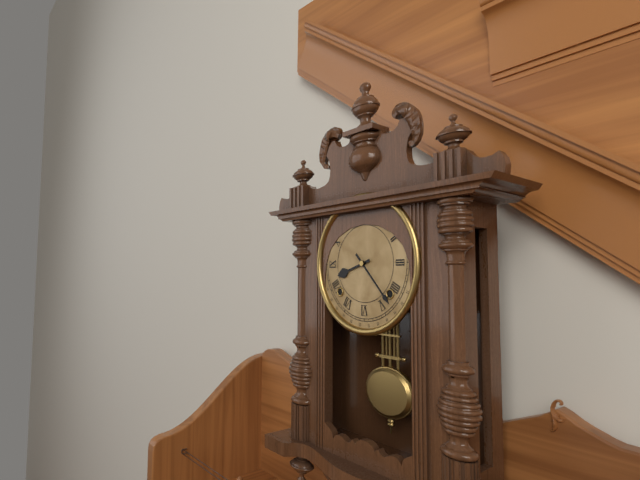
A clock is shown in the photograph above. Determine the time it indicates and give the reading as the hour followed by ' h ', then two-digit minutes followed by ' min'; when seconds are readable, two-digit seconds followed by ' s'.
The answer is 8 h 23 min
